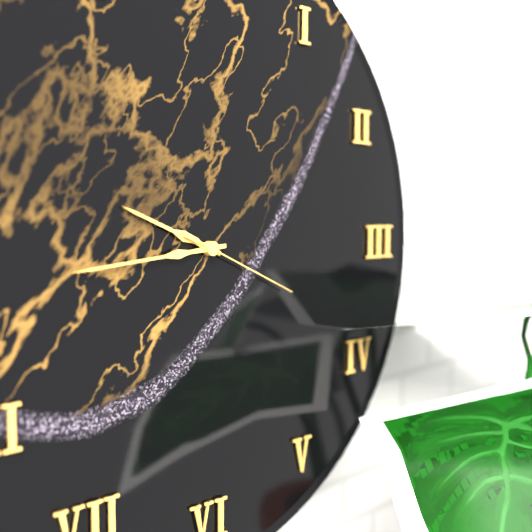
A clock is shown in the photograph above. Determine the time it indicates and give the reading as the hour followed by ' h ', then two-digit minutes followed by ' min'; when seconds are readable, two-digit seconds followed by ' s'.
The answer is 9 h 44 min 19 s
